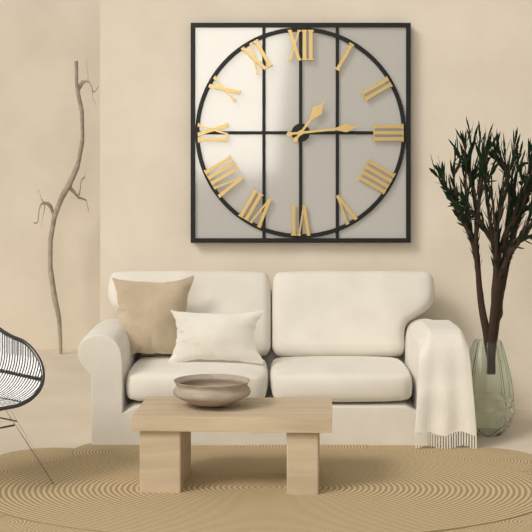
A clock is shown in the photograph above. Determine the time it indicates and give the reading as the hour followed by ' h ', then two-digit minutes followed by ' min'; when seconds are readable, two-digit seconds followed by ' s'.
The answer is 1 h 14 min
